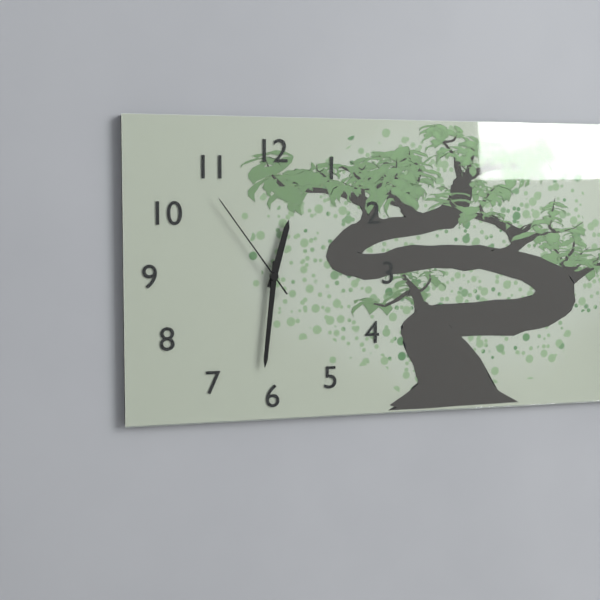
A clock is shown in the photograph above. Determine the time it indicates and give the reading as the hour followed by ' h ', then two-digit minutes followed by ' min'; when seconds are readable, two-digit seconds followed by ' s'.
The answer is 12 h 31 min 54 s
